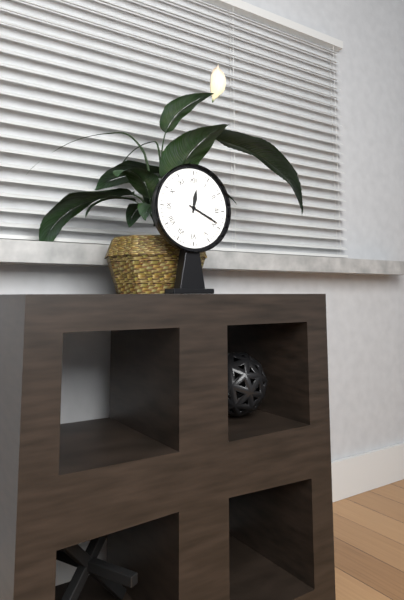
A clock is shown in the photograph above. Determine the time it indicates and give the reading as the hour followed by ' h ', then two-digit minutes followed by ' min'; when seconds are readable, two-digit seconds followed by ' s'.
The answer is 12 h 19 min
